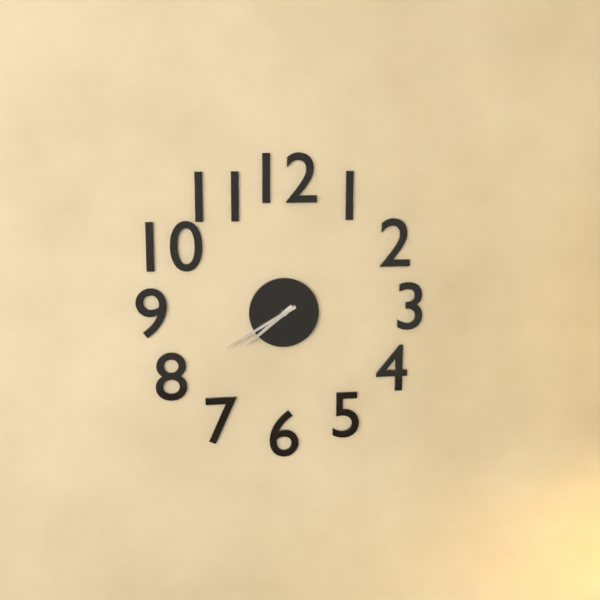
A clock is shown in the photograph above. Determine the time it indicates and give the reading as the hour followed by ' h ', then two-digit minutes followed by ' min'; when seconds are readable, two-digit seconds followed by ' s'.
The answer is 7 h 40 min
